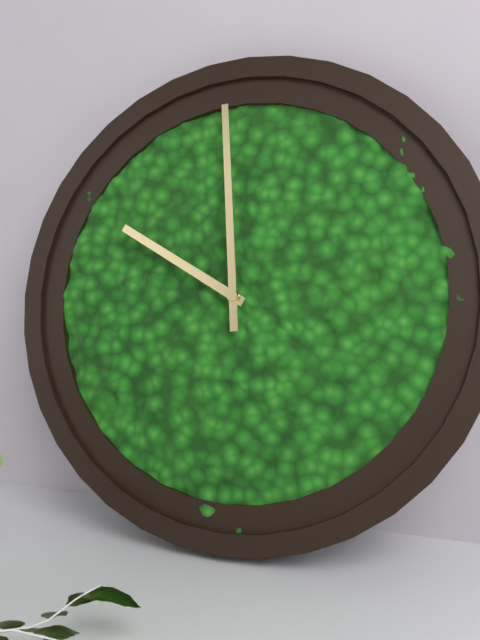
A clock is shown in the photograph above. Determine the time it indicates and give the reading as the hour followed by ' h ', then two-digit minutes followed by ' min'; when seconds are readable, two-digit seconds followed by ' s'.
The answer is 9 h 59 min
